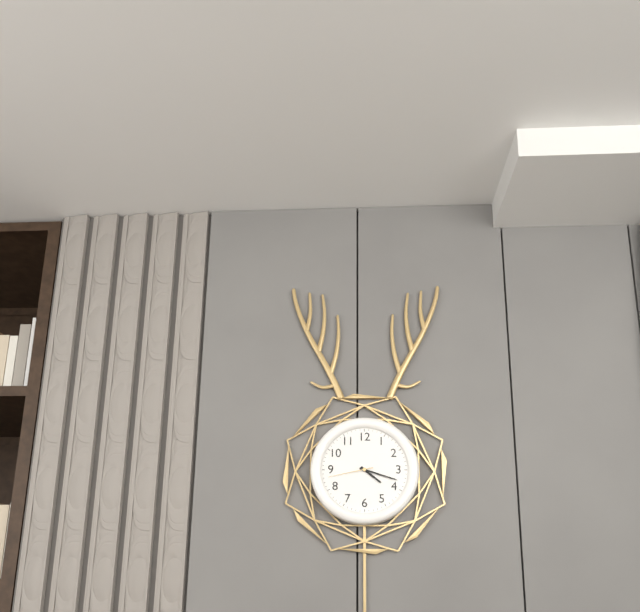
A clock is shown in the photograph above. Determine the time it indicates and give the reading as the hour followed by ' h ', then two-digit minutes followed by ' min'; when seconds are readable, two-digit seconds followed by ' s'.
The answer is 4 h 18 min
